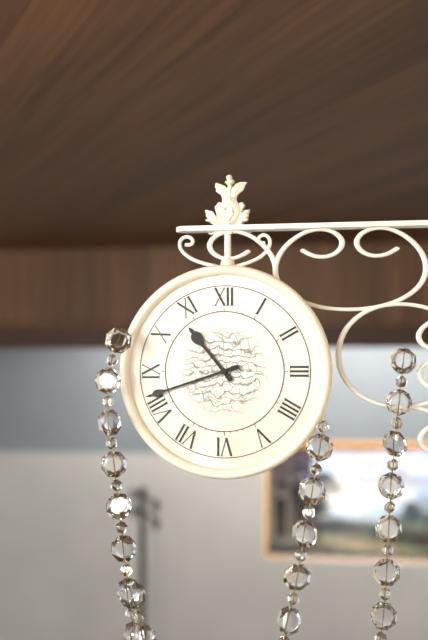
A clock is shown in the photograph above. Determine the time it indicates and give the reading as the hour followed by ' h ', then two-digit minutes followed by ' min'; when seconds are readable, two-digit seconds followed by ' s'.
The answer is 10 h 42 min
